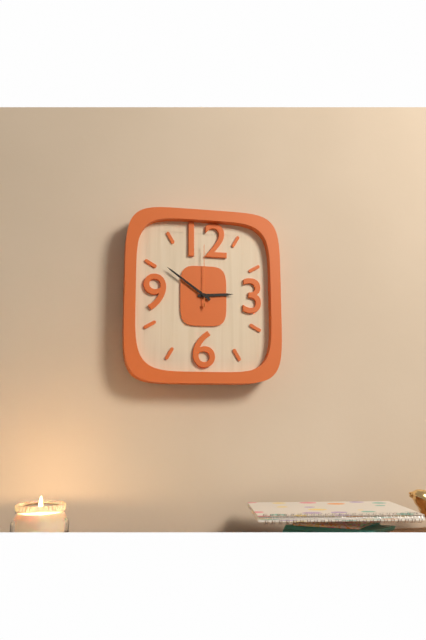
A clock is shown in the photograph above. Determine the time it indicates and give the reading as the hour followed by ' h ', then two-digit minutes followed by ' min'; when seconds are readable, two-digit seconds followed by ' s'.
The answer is 2 h 51 min 00 s
